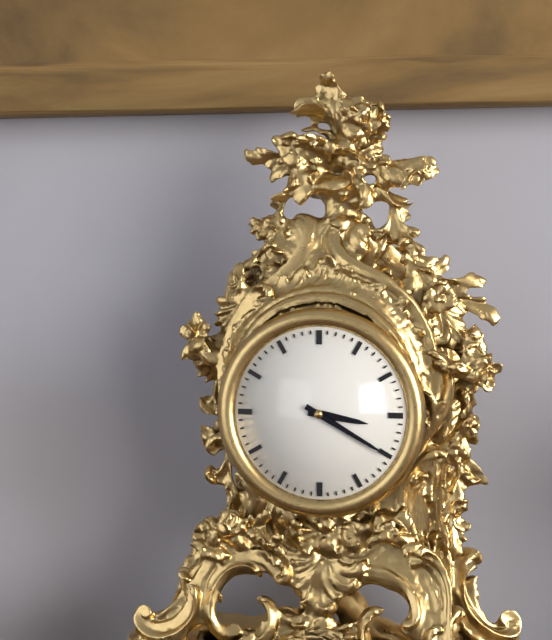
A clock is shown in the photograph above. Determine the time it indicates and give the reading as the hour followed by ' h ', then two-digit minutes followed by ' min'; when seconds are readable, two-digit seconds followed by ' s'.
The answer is 3 h 20 min
